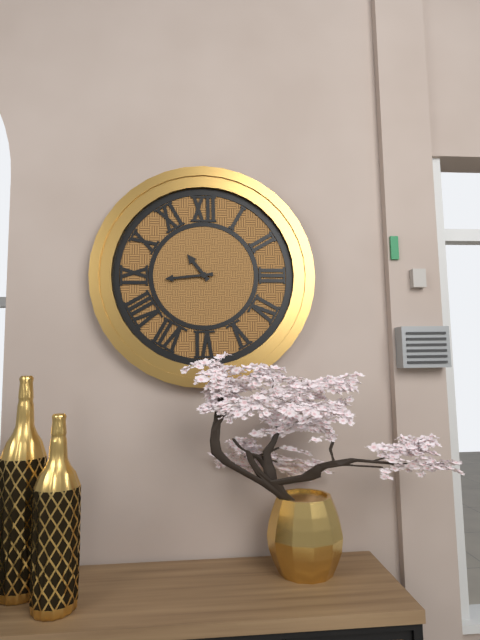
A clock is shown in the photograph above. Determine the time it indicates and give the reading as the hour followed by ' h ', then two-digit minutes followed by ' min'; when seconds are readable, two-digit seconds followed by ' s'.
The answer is 10 h 44 min
